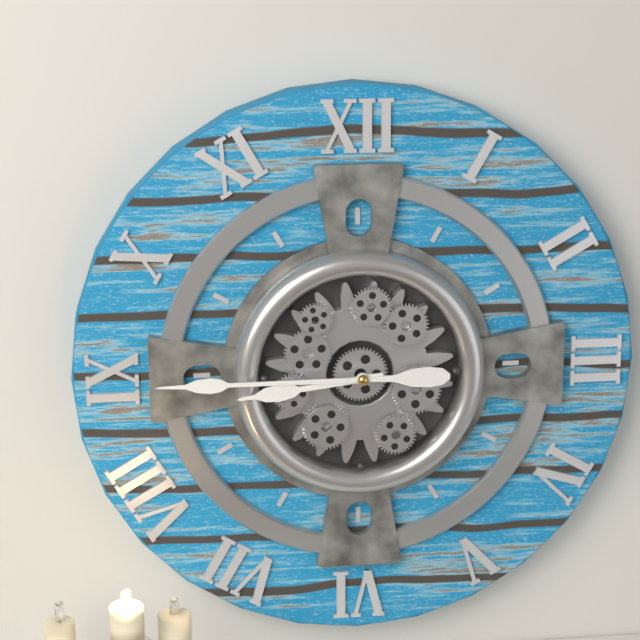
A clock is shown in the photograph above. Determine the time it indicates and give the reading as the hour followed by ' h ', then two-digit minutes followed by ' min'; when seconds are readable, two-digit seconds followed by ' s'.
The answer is 8 h 45 min
